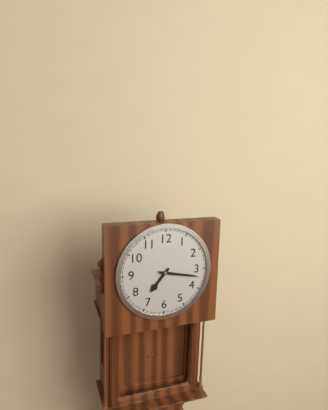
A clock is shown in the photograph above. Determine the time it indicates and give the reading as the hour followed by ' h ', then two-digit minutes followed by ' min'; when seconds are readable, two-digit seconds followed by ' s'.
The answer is 7 h 17 min
